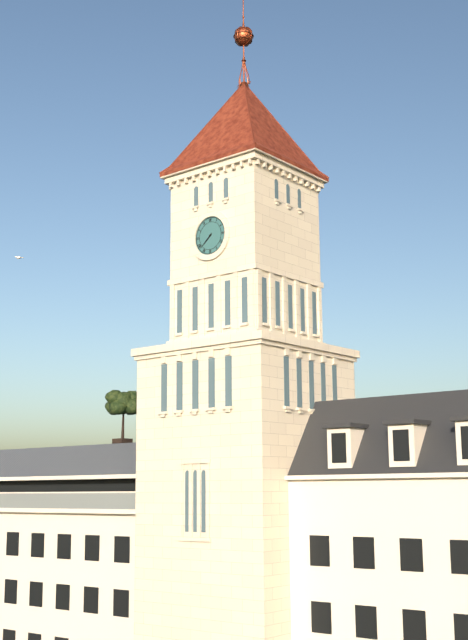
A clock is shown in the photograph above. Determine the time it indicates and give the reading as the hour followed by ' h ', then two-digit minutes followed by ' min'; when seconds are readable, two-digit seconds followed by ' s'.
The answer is 7 h 38 min
